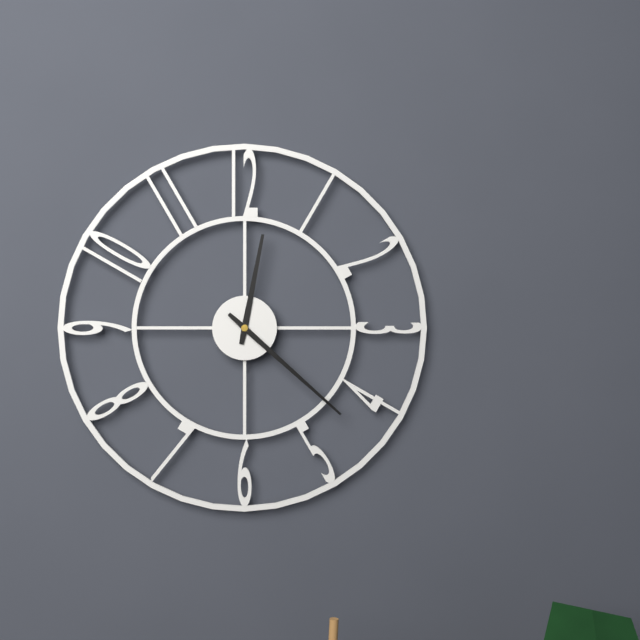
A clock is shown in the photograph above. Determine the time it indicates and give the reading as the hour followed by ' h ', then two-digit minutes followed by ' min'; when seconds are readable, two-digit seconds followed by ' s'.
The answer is 12 h 22 min
